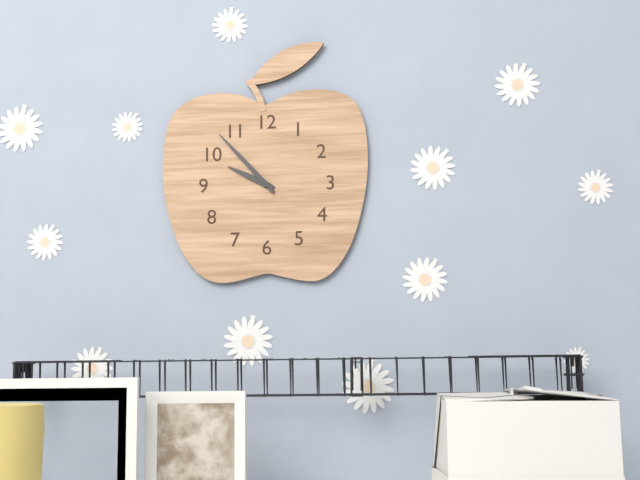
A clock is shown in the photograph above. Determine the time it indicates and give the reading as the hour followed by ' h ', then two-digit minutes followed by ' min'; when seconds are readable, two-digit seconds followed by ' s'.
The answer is 9 h 53 min
